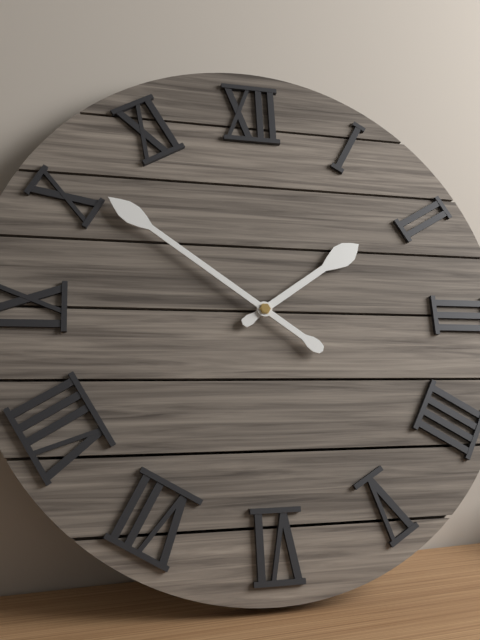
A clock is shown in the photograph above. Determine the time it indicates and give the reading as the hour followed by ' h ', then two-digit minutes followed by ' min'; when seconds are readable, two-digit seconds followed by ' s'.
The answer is 1 h 51 min
